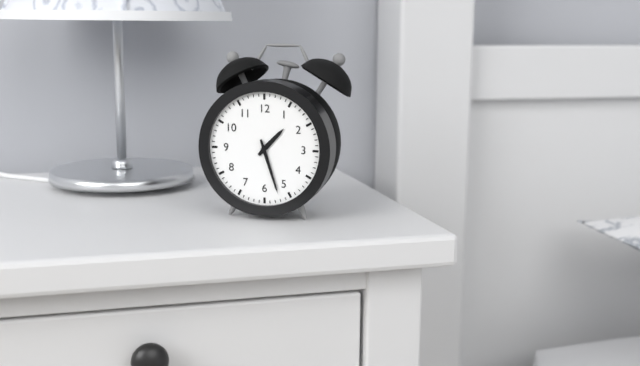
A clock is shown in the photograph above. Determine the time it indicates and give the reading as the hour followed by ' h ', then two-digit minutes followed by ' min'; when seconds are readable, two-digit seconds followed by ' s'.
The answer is 1 h 27 min
